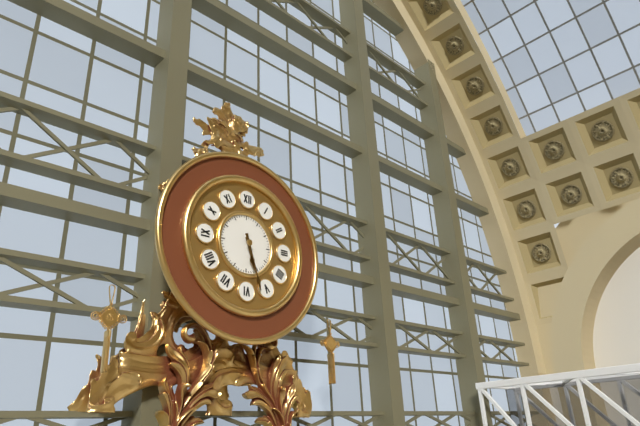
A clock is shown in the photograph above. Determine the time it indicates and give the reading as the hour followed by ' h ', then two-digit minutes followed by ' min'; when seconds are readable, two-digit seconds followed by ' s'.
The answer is 5 h 27 min
